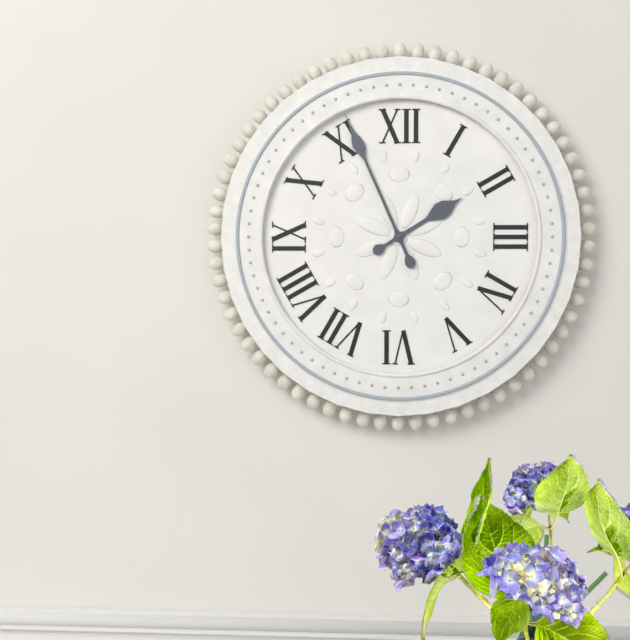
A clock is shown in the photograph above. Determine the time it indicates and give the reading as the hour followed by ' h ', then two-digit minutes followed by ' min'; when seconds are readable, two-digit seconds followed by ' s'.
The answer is 1 h 56 min
